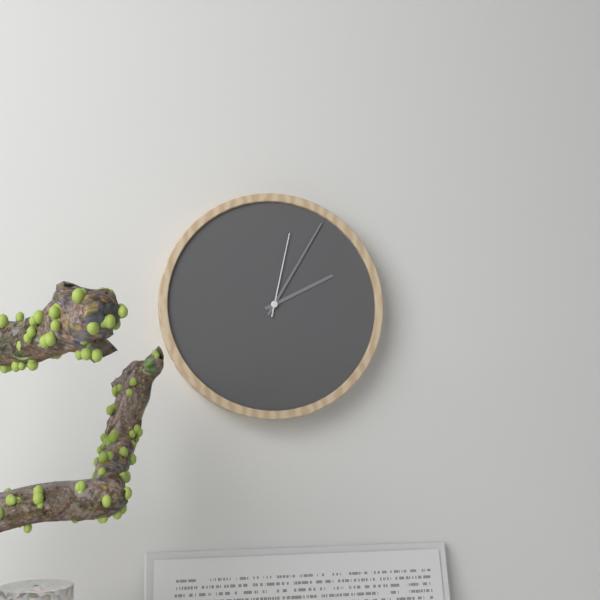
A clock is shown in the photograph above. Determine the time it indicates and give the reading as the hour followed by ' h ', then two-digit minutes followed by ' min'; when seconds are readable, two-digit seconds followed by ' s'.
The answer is 2 h 05 min 02 s
